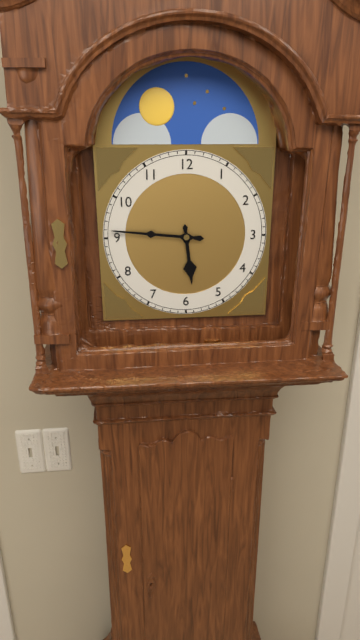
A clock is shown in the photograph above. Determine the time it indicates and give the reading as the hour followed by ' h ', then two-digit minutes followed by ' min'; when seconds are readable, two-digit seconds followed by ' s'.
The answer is 5 h 46 min
